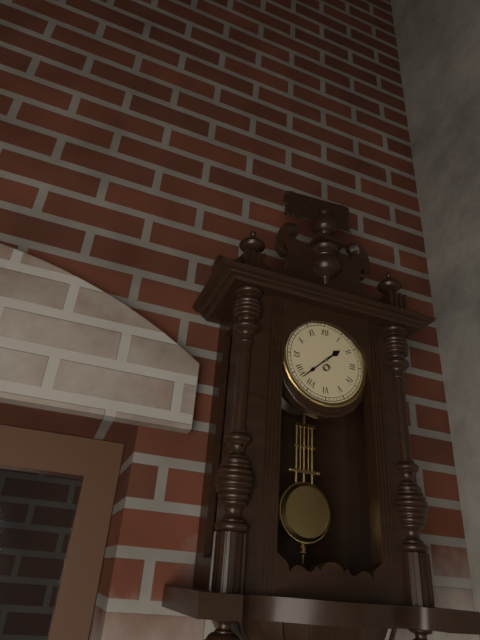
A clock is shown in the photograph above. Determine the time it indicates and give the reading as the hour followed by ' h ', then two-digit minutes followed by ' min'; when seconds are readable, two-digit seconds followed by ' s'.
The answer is 1 h 38 min
